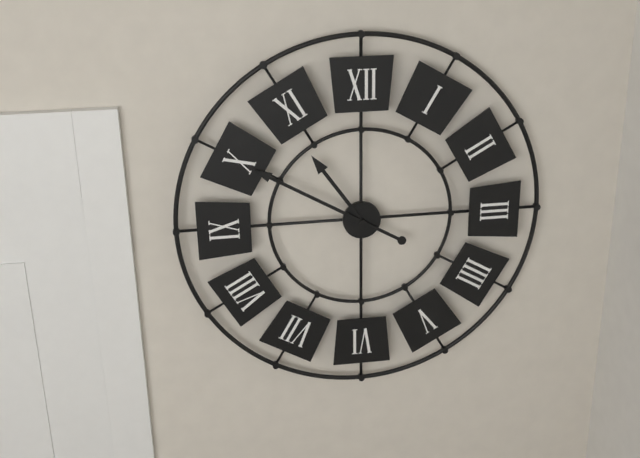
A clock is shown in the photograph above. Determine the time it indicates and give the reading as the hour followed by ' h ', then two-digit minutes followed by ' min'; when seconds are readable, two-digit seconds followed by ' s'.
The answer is 10 h 50 min
